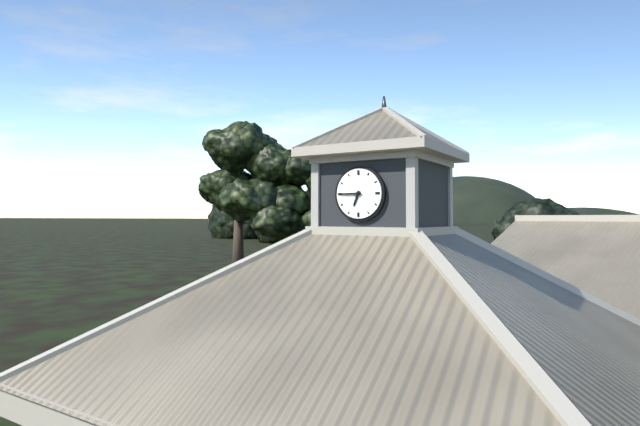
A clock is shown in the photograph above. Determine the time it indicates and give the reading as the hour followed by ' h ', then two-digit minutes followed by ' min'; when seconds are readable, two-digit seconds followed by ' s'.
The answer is 6 h 45 min
